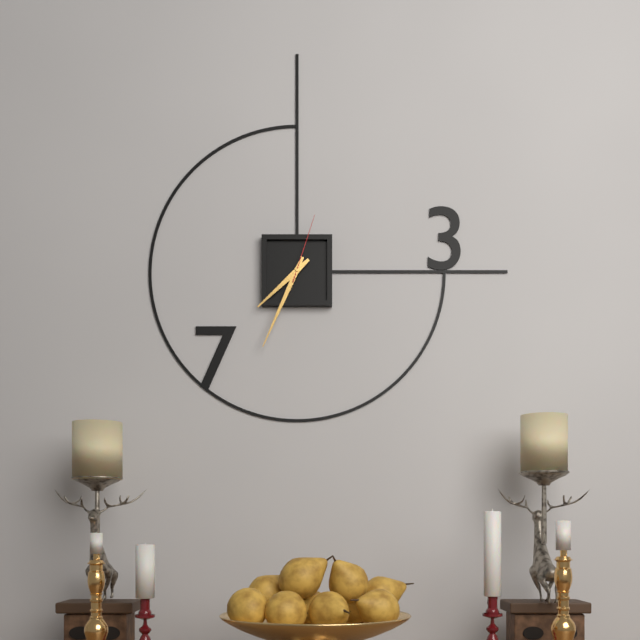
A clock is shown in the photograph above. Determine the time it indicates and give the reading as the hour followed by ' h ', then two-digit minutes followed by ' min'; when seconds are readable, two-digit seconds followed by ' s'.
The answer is 7 h 34 min 03 s
